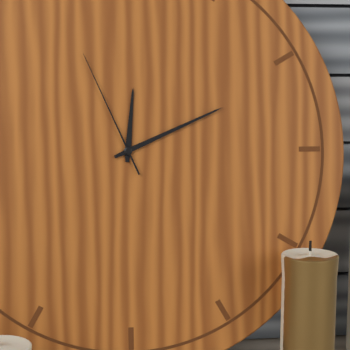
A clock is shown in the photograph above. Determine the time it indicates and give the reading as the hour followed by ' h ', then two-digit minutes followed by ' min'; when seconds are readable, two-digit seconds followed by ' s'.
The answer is 12 h 11 min 56 s
